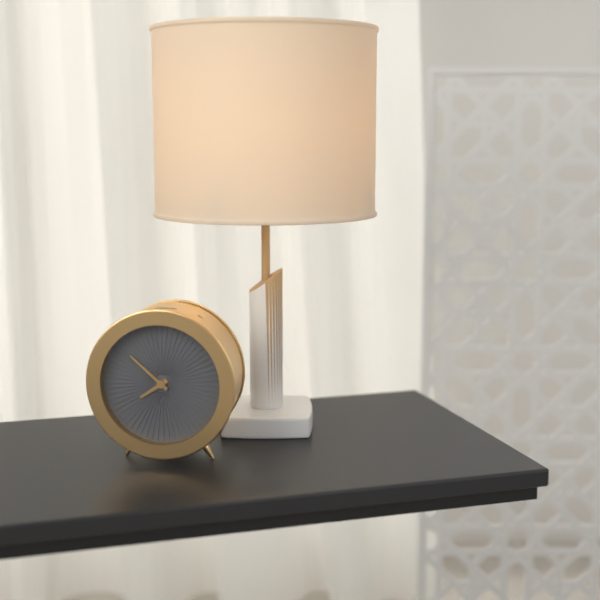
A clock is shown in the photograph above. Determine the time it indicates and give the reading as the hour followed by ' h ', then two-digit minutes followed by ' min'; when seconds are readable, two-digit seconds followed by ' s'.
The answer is 7 h 52 min
